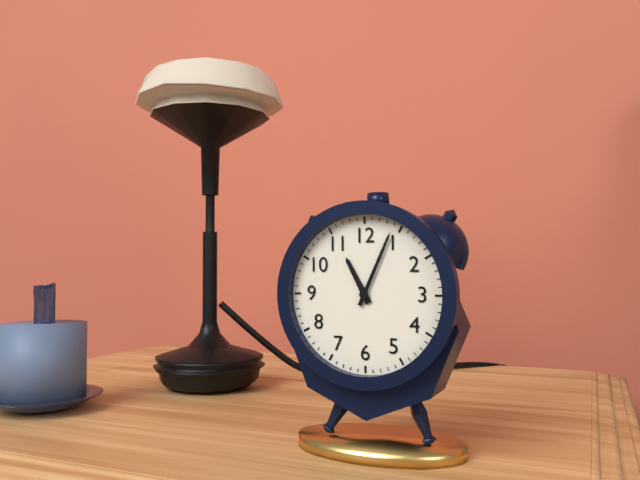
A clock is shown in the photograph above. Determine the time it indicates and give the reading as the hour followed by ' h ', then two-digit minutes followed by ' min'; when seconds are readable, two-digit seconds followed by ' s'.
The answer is 11 h 04 min
